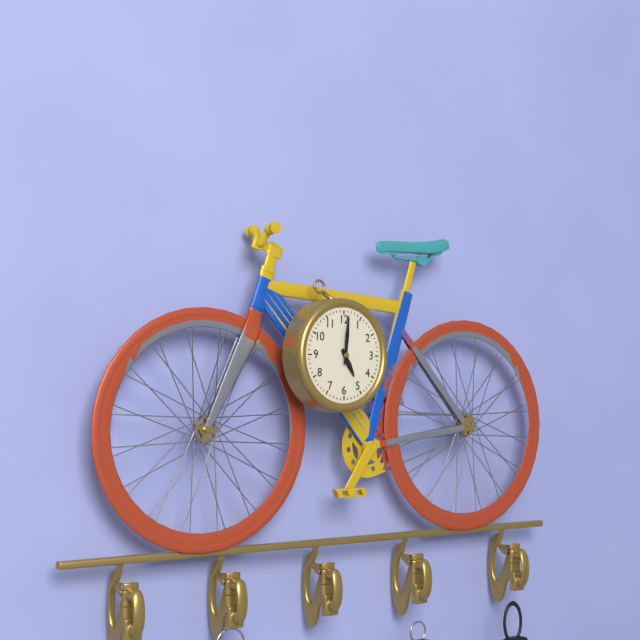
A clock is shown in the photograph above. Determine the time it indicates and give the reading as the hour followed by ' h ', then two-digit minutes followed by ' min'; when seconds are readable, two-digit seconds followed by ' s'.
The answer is 5 h 01 min
